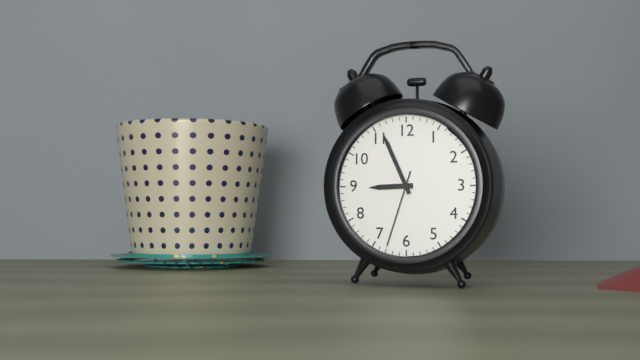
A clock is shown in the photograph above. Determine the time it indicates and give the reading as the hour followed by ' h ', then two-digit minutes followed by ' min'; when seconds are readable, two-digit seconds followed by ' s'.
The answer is 8 h 56 min 33 s
